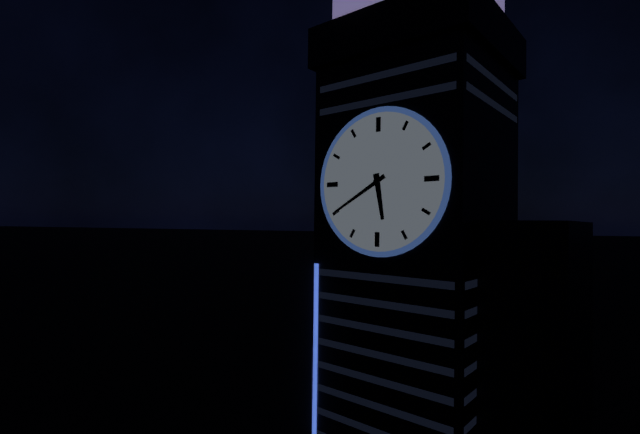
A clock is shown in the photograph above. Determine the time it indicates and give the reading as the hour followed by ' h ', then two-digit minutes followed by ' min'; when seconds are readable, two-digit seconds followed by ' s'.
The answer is 5 h 40 min
